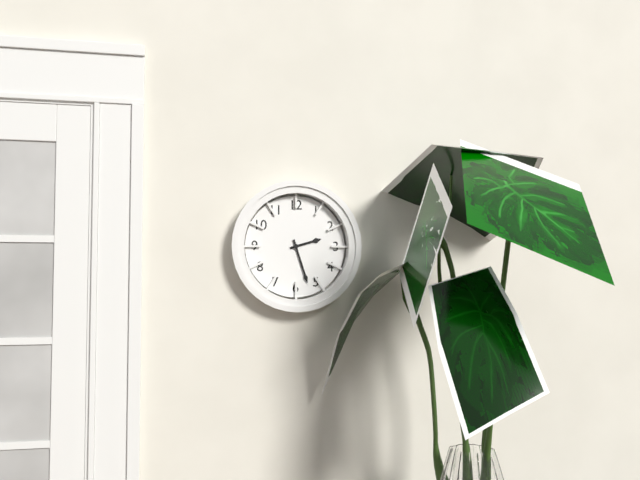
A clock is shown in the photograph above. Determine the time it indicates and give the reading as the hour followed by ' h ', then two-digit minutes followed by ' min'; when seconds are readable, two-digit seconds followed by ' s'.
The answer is 2 h 27 min
